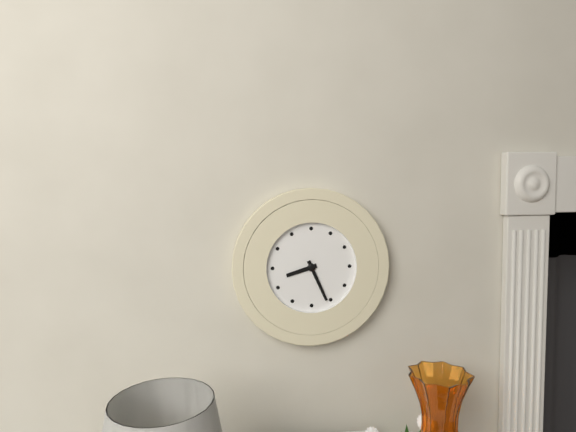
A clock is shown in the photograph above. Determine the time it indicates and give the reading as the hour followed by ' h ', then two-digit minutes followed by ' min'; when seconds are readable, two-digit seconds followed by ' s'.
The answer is 8 h 26 min
